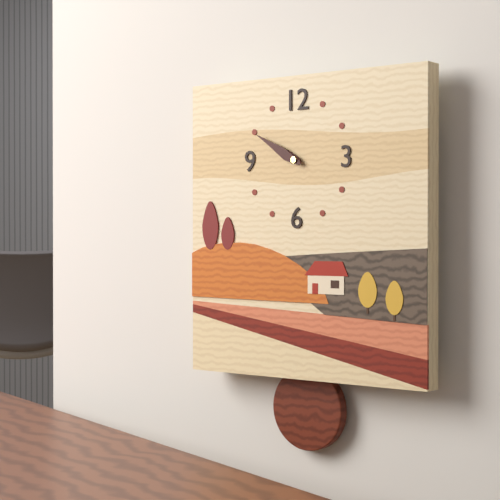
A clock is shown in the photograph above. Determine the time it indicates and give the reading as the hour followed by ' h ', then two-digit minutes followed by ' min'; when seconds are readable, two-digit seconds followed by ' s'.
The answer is 9 h 50 min
